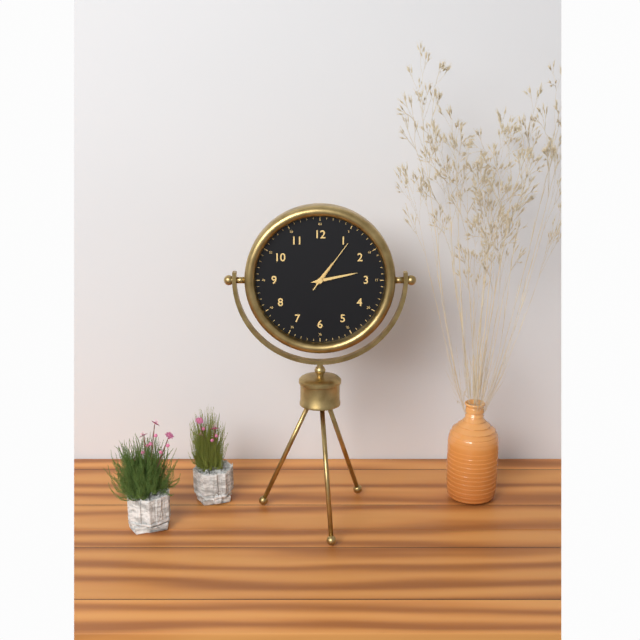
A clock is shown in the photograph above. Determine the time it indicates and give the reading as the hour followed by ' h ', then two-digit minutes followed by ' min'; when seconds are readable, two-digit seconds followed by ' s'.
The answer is 1 h 13 min 06 s
